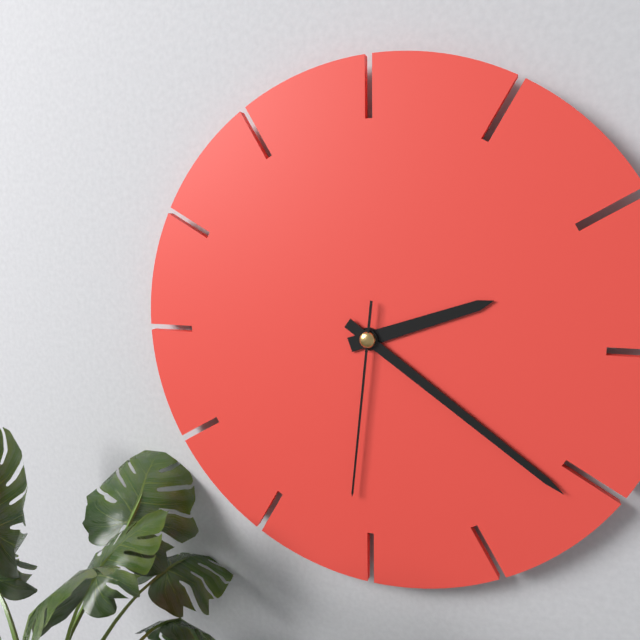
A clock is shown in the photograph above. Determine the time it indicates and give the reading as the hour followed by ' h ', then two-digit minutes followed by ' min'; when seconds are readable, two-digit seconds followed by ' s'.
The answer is 2 h 21 min 31 s
